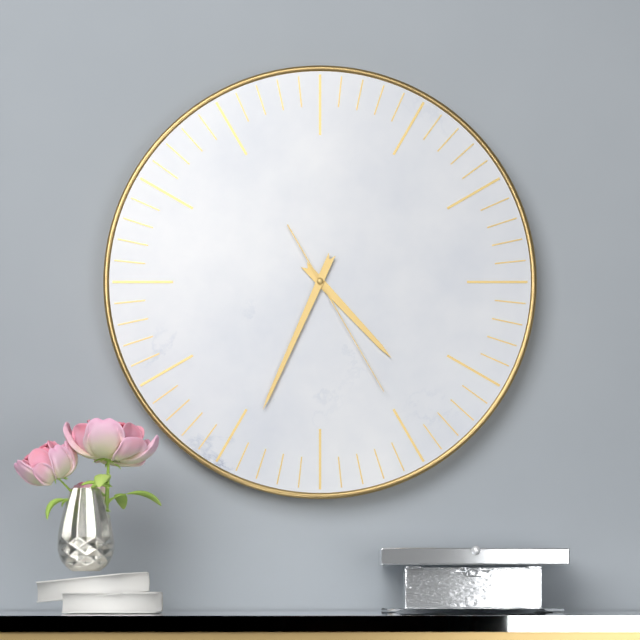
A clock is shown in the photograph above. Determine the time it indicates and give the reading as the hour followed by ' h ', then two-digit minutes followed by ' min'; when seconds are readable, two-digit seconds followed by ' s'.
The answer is 4 h 34 min 25 s
